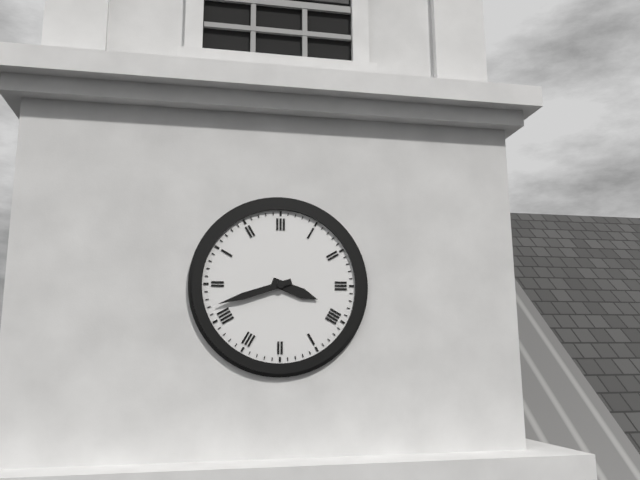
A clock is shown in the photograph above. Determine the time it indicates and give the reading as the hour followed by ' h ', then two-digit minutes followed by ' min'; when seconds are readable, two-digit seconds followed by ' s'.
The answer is 3 h 42 min
